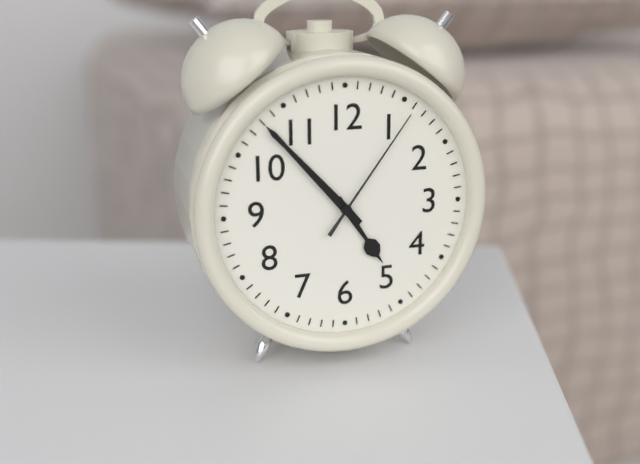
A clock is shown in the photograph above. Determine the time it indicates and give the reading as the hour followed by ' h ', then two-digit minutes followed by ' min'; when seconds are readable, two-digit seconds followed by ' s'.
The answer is 4 h 53 min 06 s
